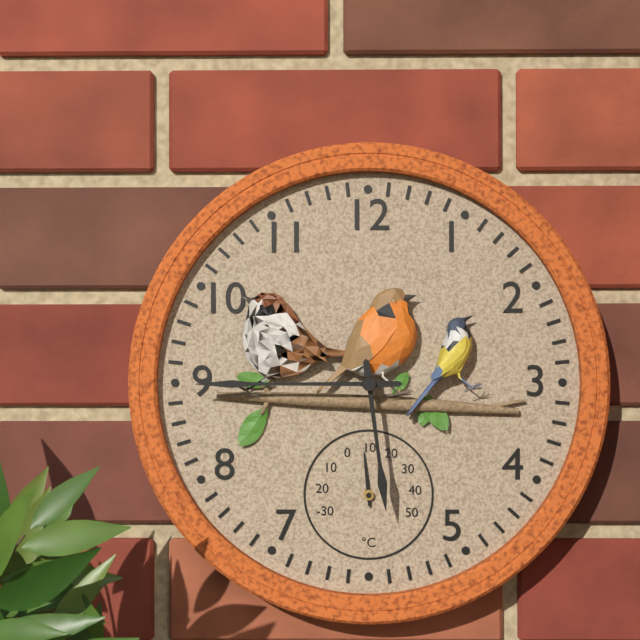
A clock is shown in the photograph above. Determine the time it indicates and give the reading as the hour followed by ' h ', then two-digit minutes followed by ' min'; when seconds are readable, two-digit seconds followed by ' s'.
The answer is 5 h 45 min
